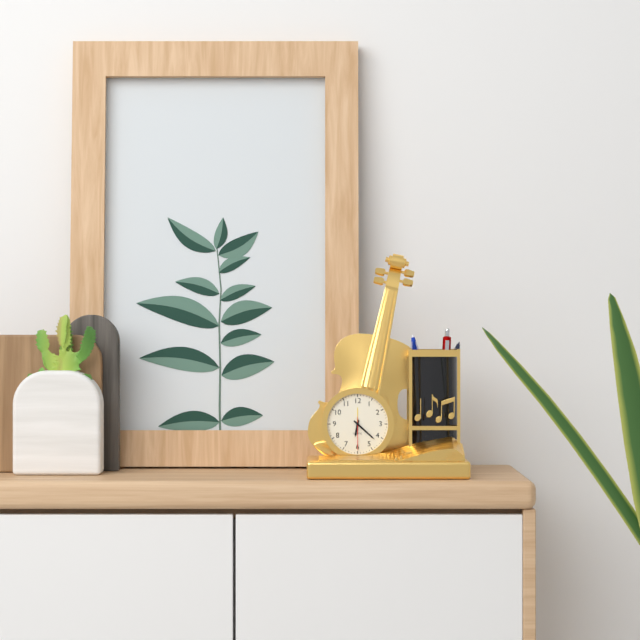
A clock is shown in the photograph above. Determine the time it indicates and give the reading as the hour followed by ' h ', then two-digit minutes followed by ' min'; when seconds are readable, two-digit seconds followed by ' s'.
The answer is 6 h 22 min
